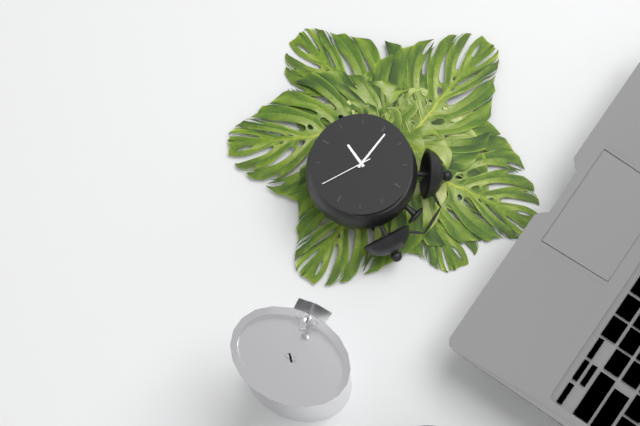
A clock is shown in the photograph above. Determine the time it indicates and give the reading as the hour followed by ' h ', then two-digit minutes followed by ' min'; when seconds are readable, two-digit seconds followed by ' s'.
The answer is 6 h 46 min 20 s
